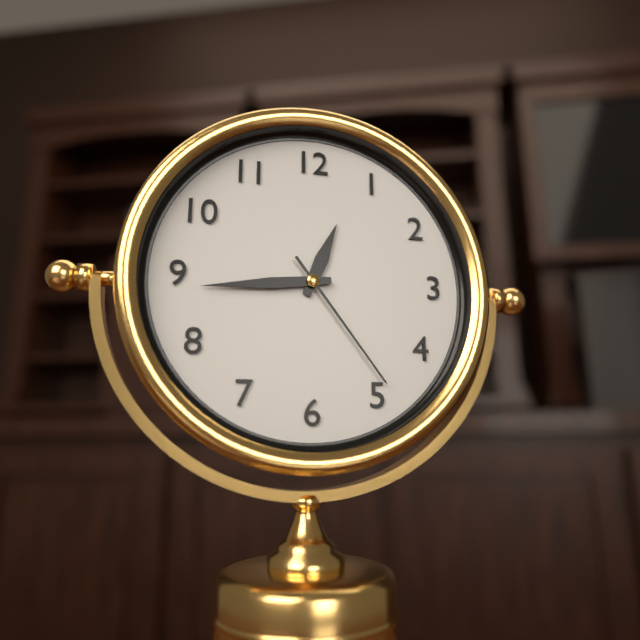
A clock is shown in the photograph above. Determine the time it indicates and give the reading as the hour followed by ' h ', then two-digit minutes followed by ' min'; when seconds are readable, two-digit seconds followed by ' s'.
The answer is 12 h 44 min 24 s
